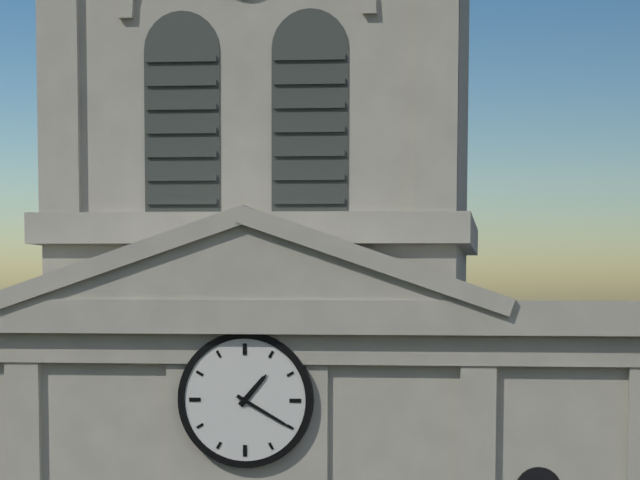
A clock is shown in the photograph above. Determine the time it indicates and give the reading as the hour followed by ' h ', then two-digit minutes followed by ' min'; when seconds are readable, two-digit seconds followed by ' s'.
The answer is 1 h 20 min
